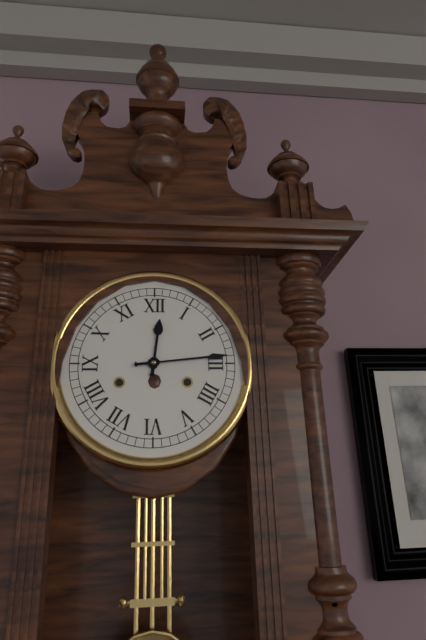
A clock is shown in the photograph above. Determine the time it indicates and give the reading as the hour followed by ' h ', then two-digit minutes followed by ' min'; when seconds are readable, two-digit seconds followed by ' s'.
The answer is 12 h 14 min
